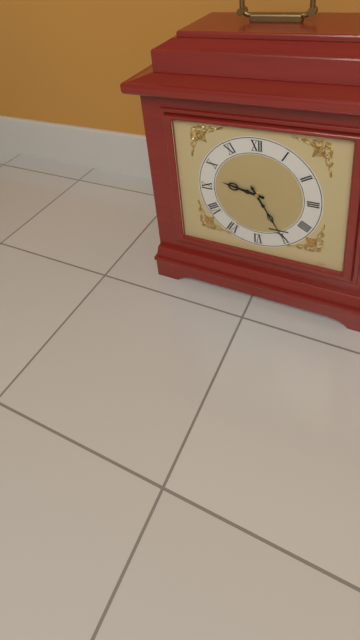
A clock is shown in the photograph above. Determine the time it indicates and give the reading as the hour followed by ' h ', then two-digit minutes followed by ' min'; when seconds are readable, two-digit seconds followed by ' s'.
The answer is 9 h 25 min
